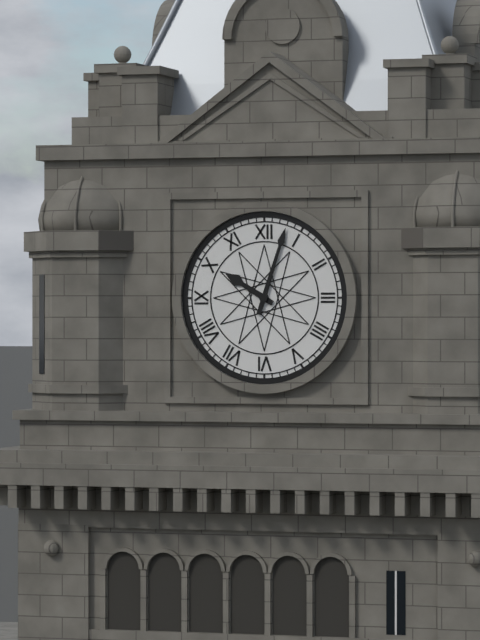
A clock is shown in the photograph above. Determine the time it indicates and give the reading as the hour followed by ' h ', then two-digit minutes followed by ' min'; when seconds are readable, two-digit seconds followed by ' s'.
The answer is 10 h 03 min
